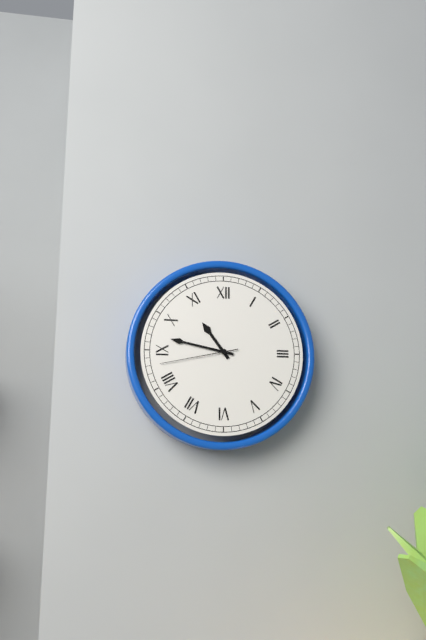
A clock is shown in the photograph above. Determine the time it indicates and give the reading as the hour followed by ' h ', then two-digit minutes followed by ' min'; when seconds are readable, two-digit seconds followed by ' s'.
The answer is 10 h 47 min 43 s
